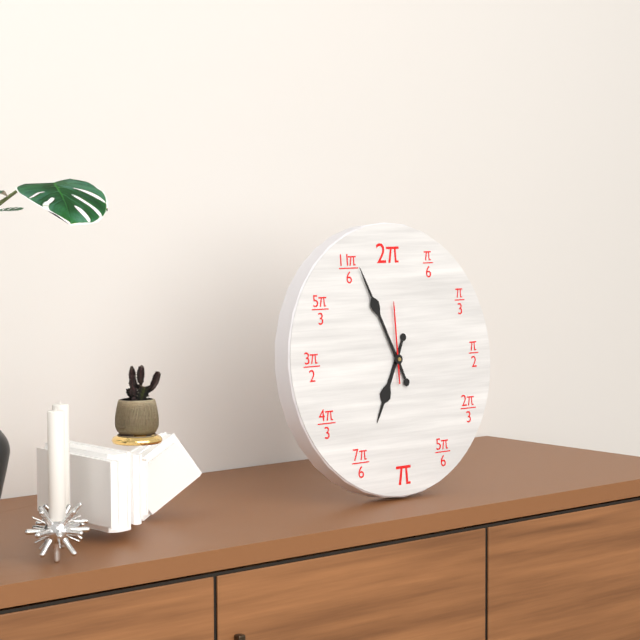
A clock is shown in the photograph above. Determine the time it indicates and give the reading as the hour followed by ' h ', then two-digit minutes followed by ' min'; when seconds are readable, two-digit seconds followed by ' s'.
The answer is 6 h 56 min 00 s
